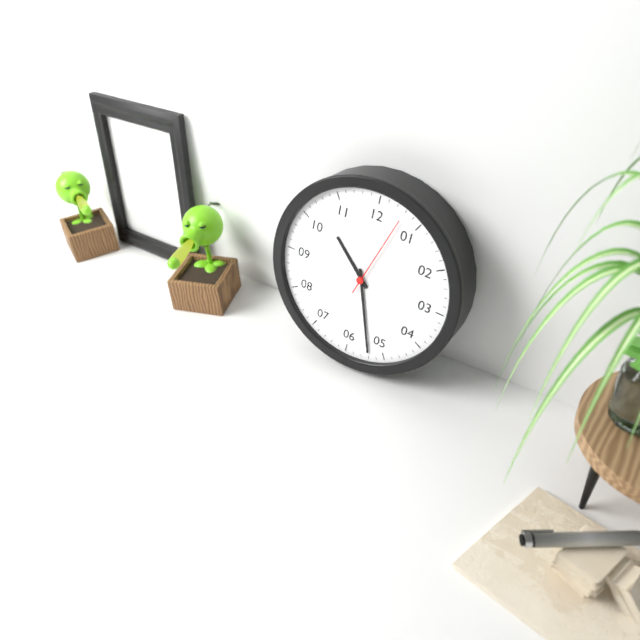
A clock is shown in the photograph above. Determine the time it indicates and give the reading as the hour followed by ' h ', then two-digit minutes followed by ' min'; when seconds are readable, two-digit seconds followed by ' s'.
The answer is 10 h 27 min 03 s
